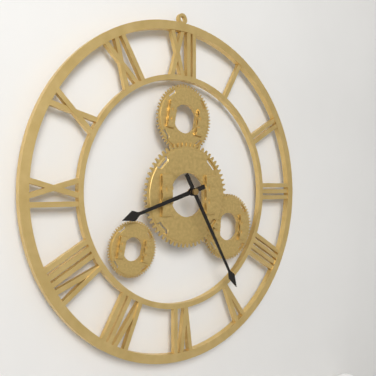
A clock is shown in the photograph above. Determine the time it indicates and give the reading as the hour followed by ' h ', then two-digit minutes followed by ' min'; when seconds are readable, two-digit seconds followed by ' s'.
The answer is 8 h 25 min
